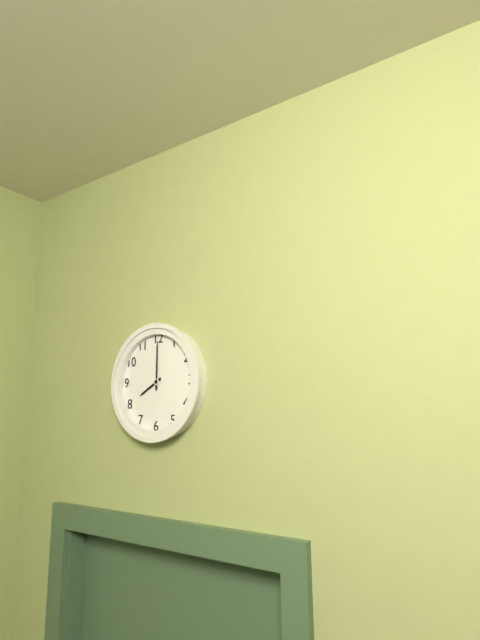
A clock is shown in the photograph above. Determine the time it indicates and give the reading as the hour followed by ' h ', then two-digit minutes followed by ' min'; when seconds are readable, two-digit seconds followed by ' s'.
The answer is 8 h 00 min
